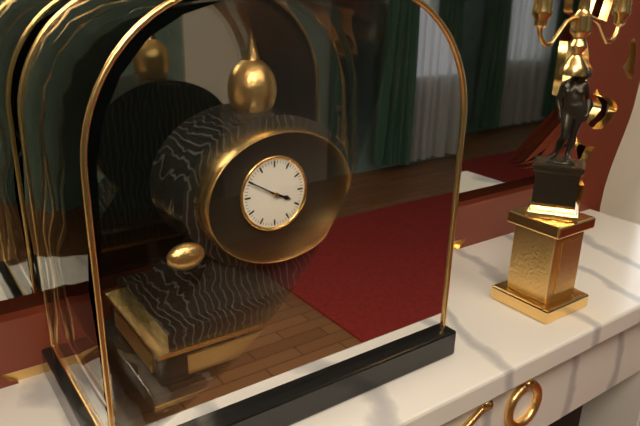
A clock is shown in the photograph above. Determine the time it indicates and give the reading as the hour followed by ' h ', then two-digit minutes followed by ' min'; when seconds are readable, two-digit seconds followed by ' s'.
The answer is 3 h 50 min
